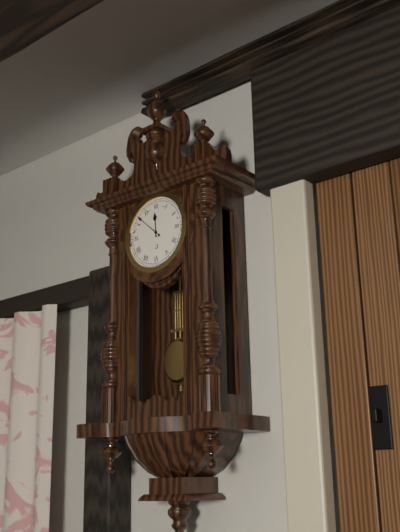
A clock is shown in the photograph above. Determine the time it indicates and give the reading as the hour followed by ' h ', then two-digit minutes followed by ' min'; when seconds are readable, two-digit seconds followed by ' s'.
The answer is 11 h 52 min
